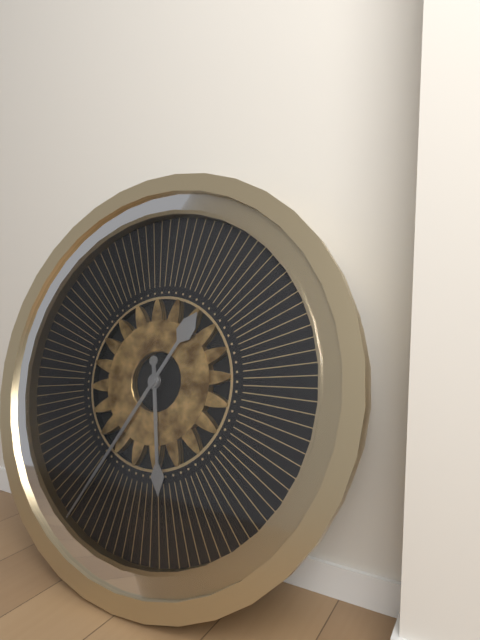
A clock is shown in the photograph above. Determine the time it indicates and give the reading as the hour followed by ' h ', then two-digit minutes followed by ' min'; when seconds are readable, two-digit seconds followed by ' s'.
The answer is 5 h 35 min
